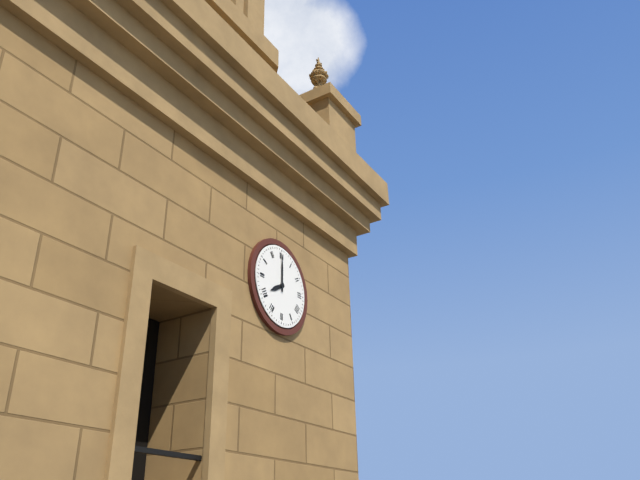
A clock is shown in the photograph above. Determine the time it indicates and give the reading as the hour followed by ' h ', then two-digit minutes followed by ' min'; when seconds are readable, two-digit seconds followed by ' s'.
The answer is 8 h 00 min
